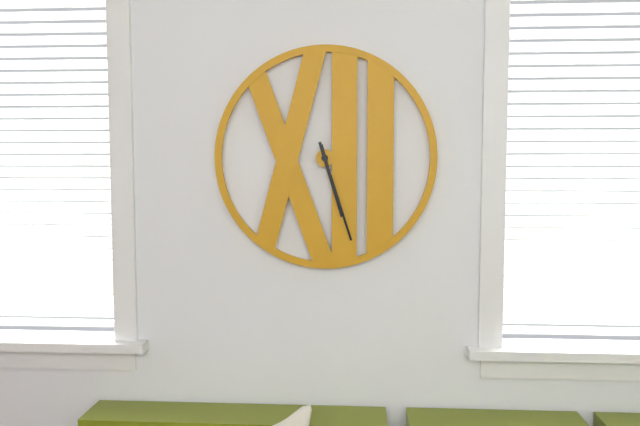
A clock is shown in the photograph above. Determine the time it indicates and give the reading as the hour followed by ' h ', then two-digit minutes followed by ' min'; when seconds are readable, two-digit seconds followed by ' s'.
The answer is 5 h 27 min
